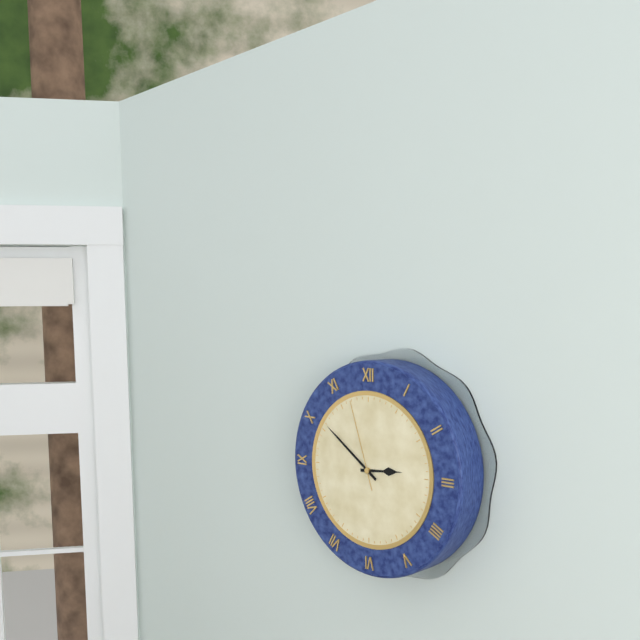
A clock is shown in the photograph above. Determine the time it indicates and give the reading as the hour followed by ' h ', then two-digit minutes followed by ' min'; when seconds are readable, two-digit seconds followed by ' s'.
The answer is 2 h 51 min 57 s
